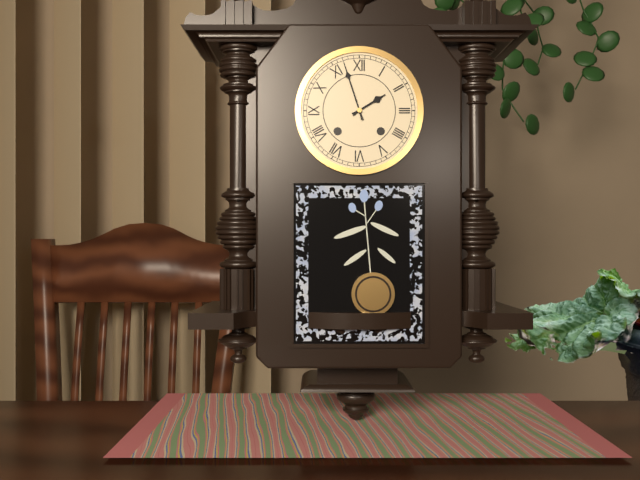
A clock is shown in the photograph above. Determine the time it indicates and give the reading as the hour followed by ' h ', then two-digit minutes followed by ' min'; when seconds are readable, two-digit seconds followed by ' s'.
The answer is 1 h 57 min
